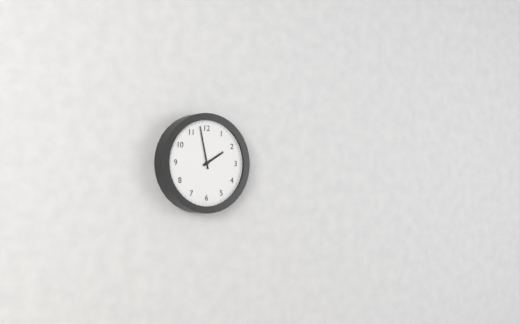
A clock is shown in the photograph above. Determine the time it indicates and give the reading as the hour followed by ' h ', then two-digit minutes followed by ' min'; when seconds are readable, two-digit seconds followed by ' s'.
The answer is 1 h 58 min
